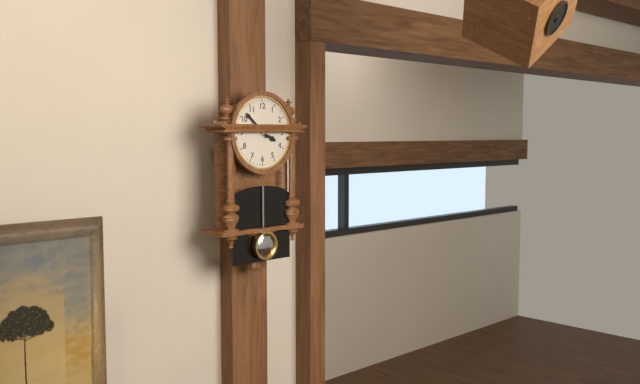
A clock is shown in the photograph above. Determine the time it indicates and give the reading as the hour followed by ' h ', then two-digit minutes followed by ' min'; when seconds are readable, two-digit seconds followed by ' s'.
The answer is 3 h 52 min
